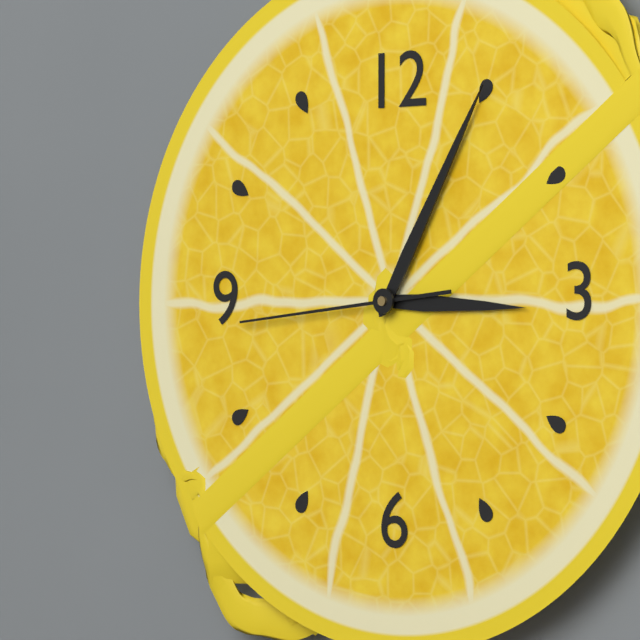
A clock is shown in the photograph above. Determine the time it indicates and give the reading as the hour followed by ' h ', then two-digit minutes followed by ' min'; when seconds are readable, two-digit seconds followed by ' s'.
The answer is 3 h 05 min 44 s
